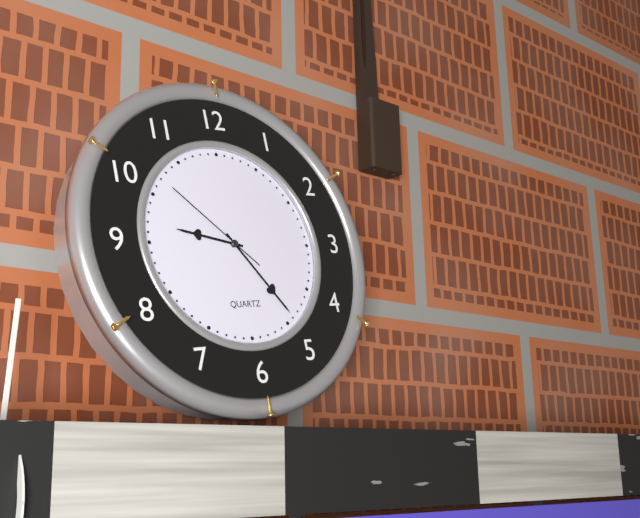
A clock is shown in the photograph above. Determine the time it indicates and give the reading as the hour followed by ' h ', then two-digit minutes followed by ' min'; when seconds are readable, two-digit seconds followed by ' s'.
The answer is 9 h 24 min 52 s
